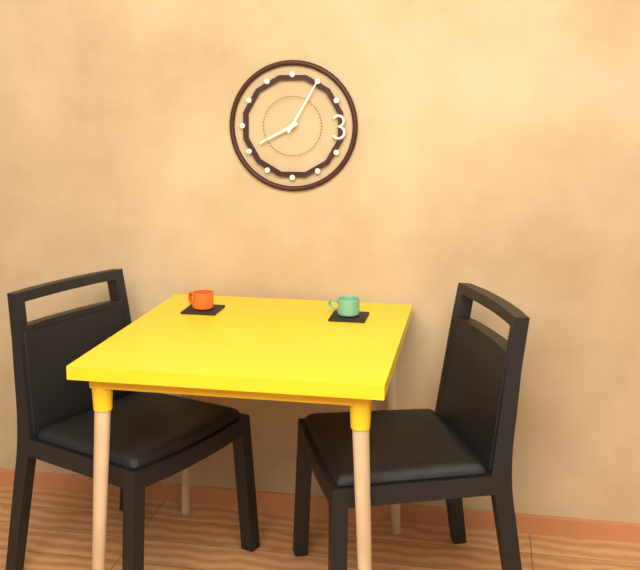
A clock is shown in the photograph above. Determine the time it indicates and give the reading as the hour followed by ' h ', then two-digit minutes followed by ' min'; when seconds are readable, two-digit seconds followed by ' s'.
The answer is 8 h 05 min
